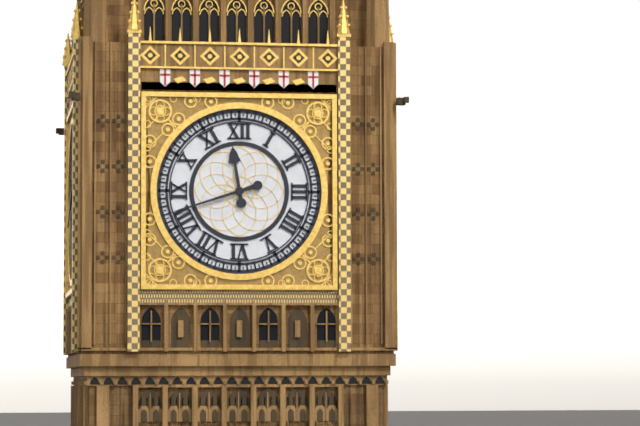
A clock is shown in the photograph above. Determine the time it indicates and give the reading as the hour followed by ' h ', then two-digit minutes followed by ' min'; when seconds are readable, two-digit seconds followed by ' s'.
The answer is 11 h 42 min
